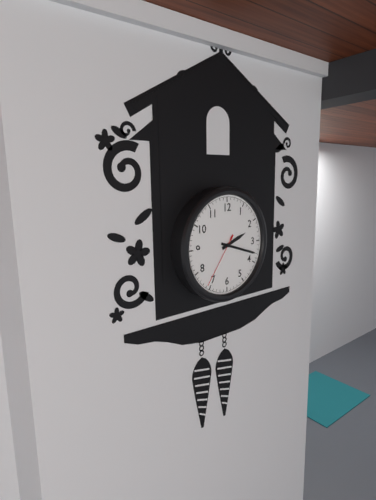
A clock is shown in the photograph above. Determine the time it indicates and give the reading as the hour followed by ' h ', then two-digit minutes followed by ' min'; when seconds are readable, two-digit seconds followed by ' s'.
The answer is 2 h 18 min 36 s
